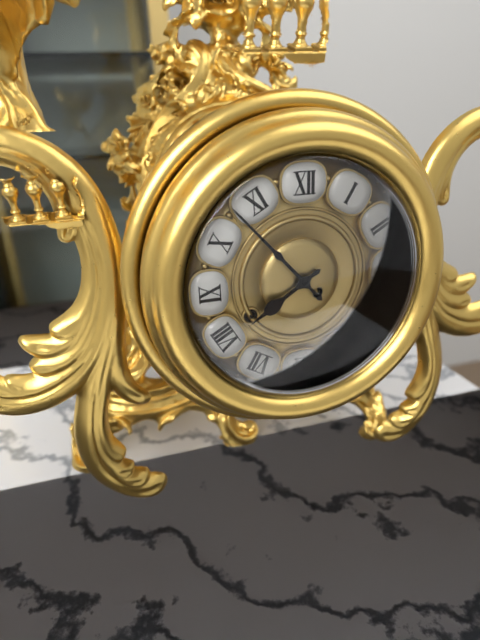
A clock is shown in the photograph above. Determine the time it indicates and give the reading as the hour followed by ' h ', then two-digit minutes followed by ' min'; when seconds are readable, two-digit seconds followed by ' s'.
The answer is 7 h 53 min
